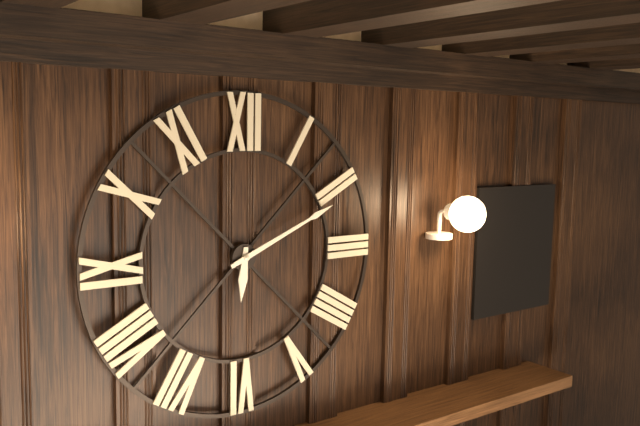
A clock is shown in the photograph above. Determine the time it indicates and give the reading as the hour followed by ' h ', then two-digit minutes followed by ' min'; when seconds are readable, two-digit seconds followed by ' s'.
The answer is 6 h 11 min
